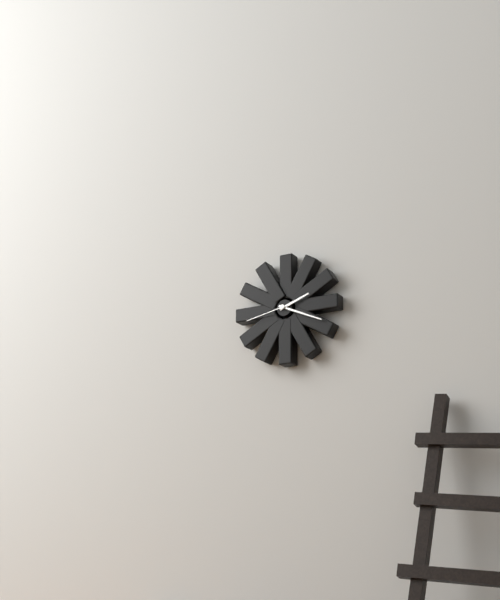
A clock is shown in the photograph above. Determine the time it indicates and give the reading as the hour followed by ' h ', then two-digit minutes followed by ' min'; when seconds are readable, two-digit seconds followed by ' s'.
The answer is 2 h 19 min
